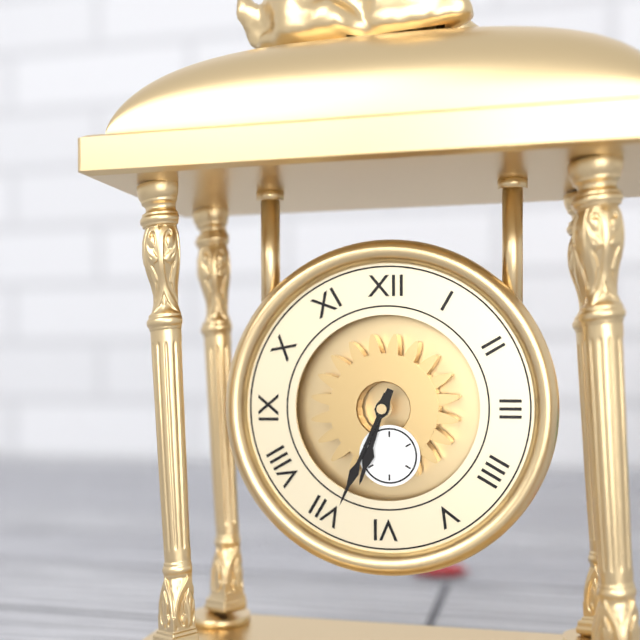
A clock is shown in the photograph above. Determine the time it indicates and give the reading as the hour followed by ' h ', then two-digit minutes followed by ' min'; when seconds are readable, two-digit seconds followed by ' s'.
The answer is 6 h 34 min
